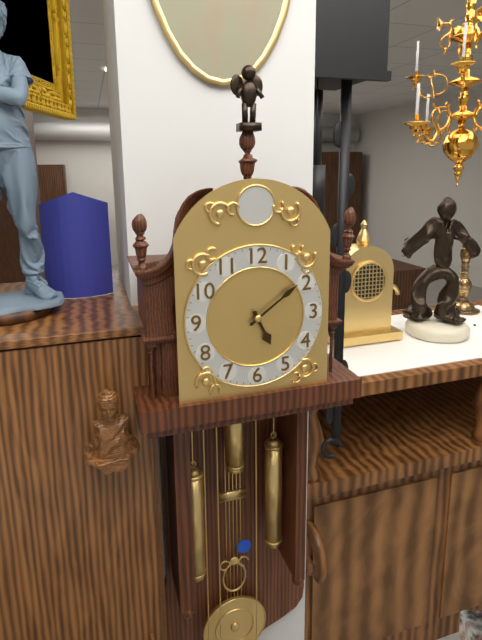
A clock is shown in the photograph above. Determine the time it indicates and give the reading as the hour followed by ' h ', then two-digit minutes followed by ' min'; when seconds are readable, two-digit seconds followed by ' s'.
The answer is 5 h 09 min
